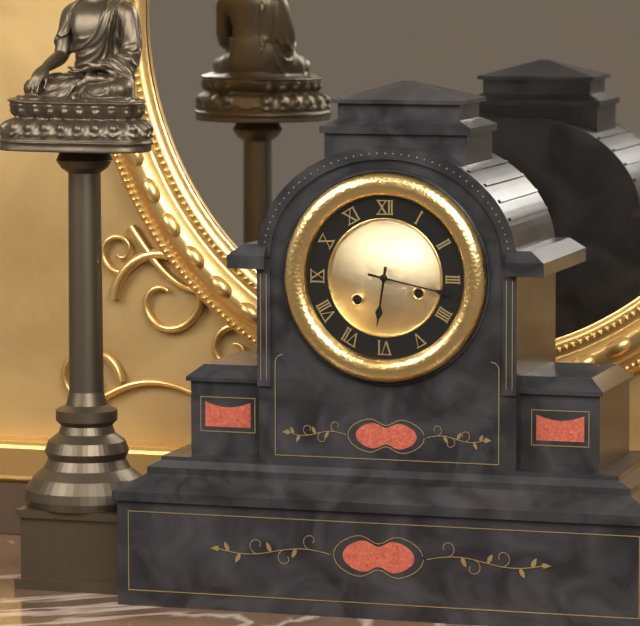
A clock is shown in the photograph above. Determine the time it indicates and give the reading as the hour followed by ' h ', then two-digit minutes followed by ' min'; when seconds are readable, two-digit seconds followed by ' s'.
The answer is 6 h 17 min
